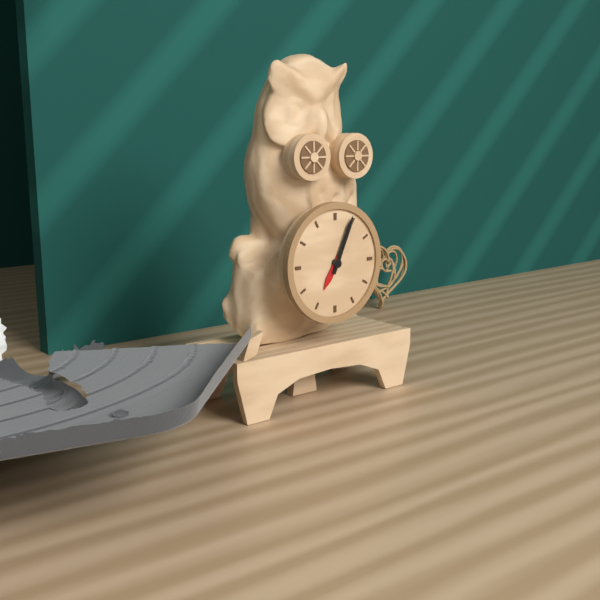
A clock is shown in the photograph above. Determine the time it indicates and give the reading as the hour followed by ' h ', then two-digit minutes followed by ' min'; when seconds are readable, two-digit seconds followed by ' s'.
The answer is 7 h 04 min
